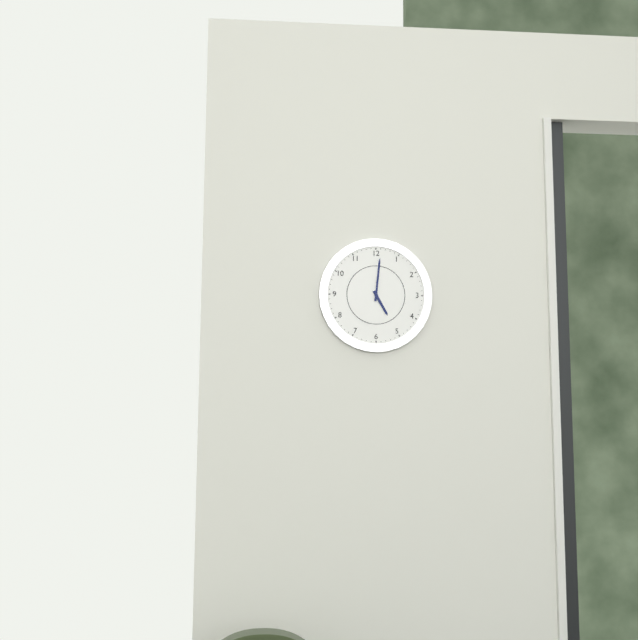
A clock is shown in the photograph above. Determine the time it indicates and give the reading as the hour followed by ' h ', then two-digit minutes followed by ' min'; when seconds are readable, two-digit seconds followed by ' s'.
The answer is 5 h 01 min
